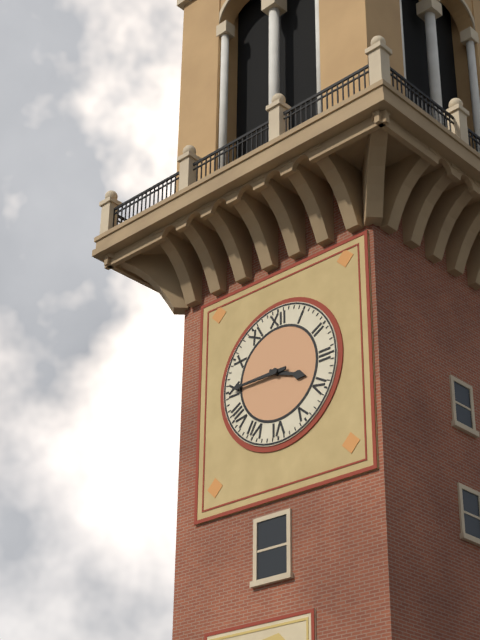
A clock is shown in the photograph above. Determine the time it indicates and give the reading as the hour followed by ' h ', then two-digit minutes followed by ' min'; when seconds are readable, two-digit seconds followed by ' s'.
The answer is 3 h 45 min
